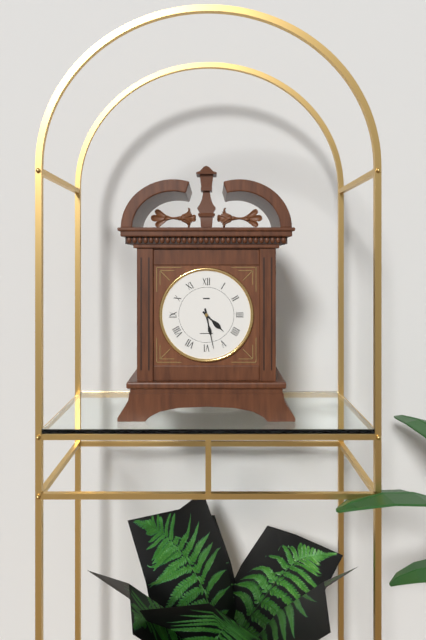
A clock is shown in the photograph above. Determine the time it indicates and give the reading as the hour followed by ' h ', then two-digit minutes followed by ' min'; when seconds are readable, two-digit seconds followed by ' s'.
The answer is 4 h 28 min
